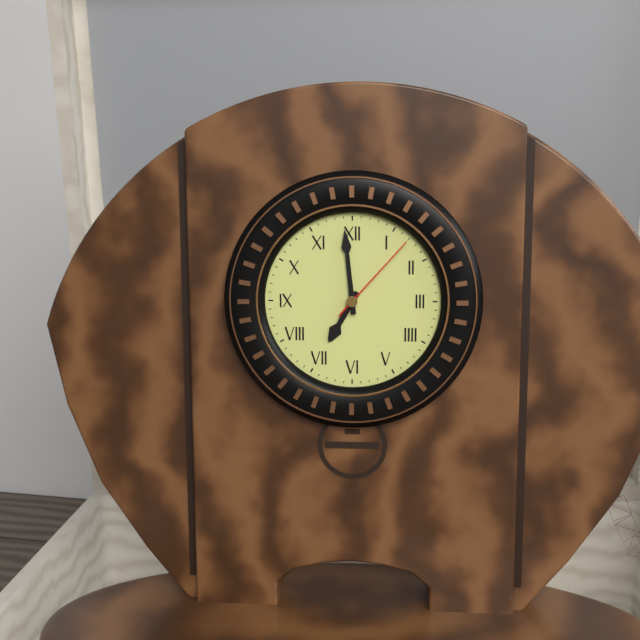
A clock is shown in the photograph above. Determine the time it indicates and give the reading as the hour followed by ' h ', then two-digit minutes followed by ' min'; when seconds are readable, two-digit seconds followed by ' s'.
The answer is 6 h 59 min 07 s
